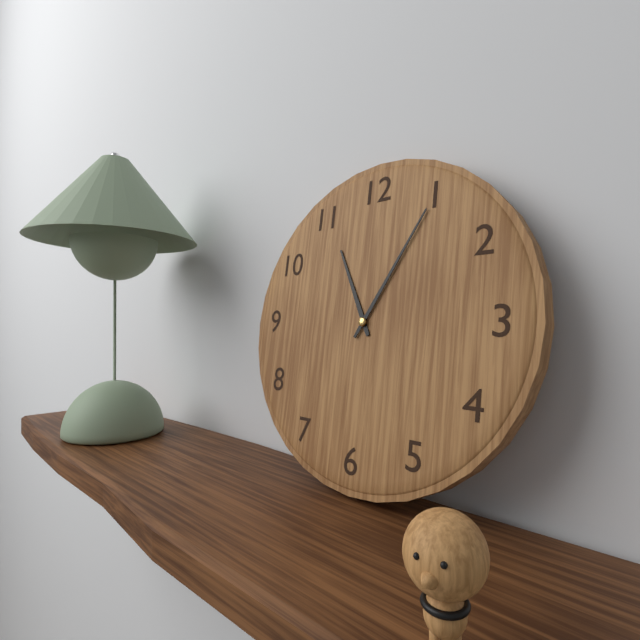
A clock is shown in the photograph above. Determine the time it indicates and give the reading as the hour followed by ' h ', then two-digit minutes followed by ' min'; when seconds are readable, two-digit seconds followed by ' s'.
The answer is 11 h 05 min
